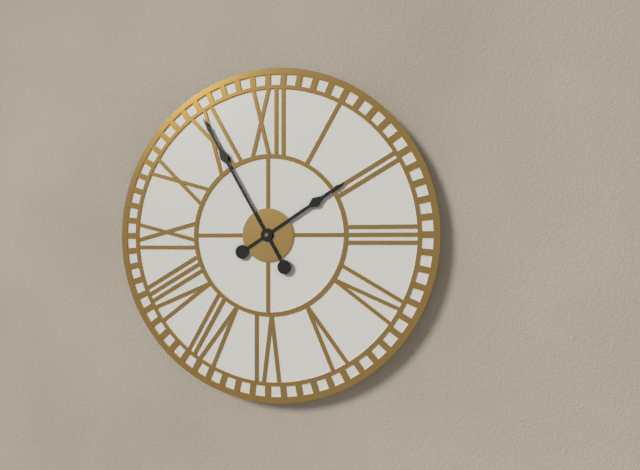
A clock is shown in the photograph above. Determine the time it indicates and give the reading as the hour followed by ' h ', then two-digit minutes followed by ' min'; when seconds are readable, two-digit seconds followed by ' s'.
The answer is 1 h 55 min
